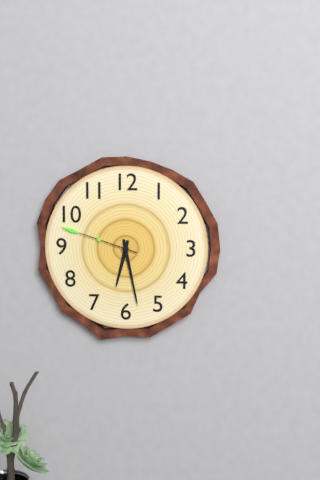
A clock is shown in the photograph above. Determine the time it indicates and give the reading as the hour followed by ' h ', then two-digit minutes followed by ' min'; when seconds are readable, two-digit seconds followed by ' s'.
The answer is 6 h 28 min 48 s
